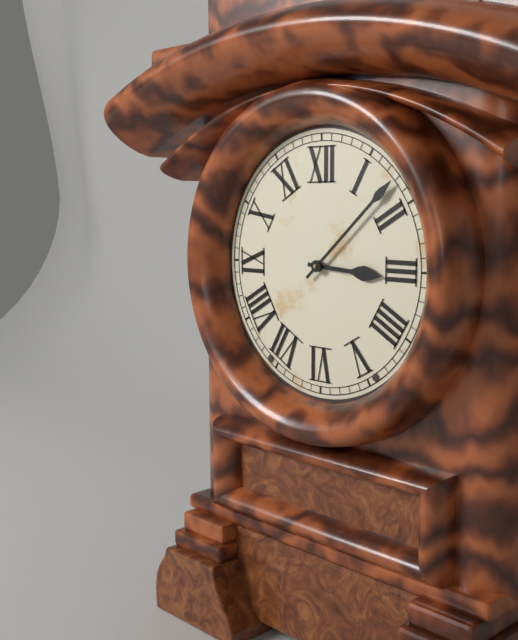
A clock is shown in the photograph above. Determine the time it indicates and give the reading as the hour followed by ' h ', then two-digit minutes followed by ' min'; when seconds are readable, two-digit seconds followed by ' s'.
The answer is 3 h 08 min
